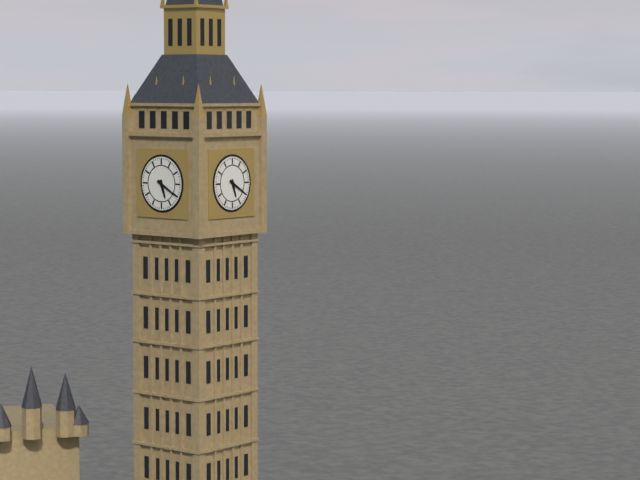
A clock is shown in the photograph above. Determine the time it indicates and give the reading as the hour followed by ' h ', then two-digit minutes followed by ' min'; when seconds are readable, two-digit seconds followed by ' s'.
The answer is 5 h 20 min
